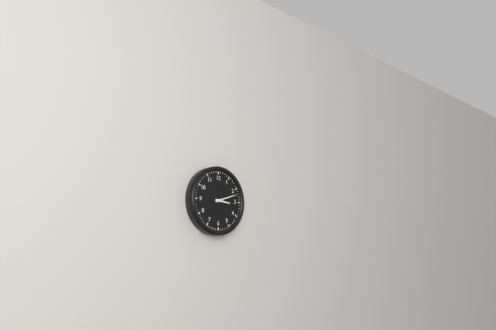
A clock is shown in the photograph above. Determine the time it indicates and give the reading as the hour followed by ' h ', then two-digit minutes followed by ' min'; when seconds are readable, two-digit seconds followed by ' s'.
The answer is 3 h 12 min
